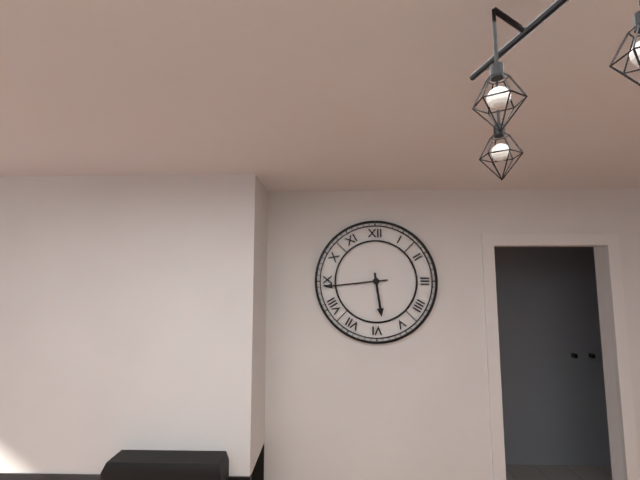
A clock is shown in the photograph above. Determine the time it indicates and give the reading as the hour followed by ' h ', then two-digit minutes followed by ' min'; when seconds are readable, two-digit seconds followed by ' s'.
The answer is 5 h 44 min
